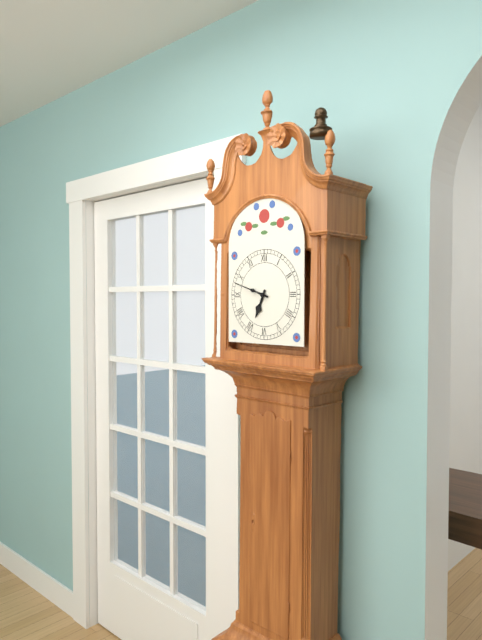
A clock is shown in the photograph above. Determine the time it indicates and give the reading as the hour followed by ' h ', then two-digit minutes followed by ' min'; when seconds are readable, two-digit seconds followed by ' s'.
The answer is 6 h 48 min
